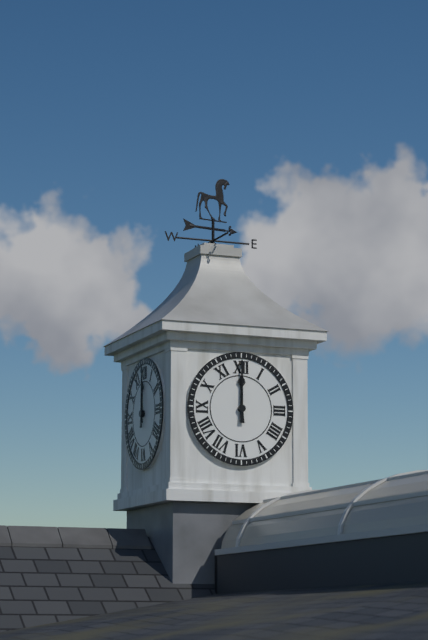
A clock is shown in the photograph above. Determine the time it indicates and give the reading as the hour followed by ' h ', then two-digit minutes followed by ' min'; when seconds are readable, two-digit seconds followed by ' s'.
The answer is 12 h 00 min
